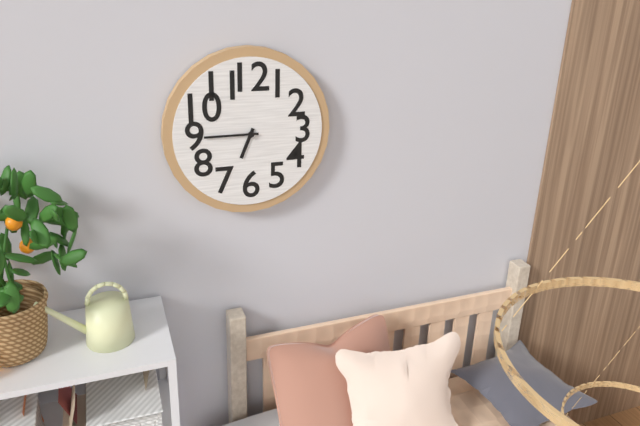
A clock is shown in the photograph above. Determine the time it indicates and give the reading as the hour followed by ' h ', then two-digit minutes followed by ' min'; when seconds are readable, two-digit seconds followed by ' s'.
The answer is 6 h 45 min
